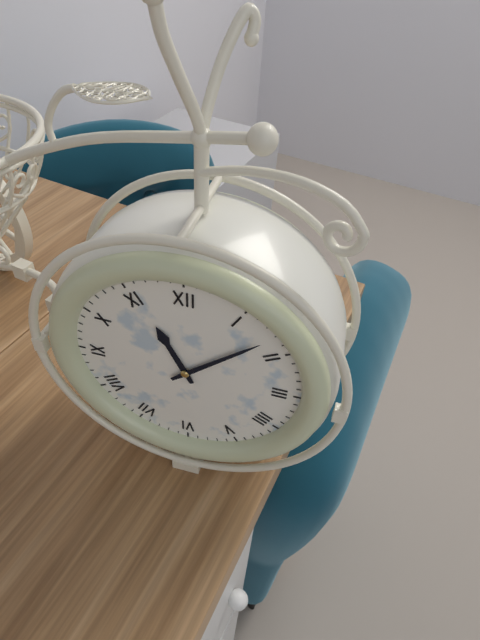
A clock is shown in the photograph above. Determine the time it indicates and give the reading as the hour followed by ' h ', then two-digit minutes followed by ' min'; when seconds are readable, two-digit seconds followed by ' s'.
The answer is 11 h 08 min
